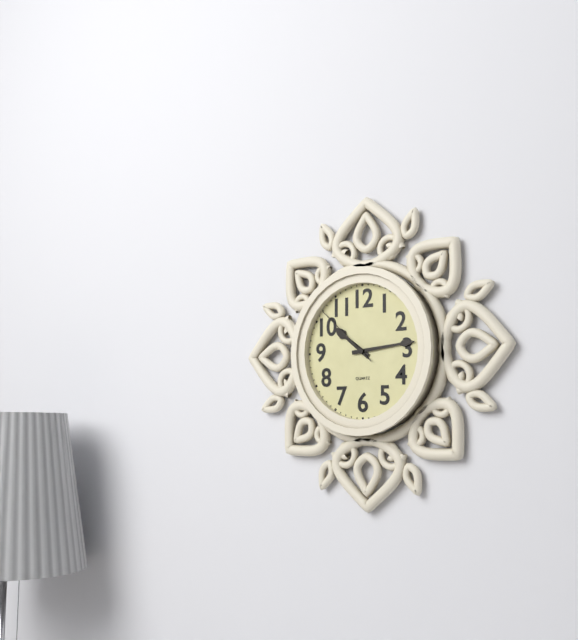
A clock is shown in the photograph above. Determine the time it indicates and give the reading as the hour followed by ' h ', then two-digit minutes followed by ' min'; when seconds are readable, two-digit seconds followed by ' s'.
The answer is 10 h 14 min 52 s
